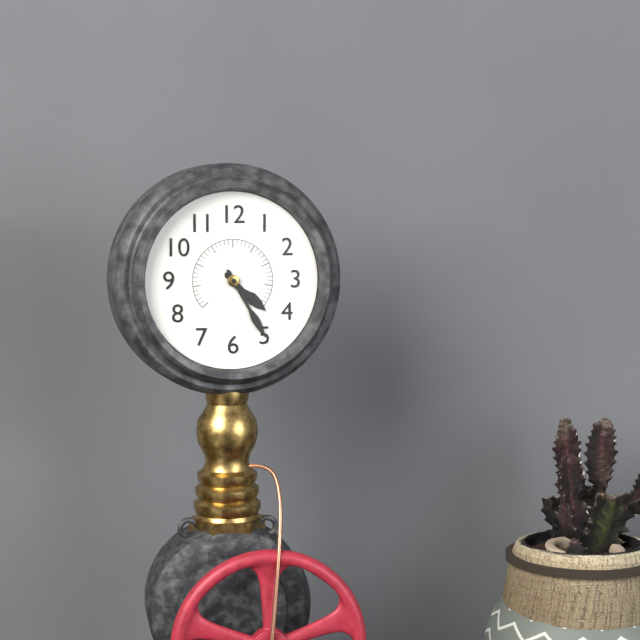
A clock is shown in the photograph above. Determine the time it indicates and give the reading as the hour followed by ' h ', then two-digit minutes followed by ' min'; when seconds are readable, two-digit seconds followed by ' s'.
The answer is 4 h 25 min
